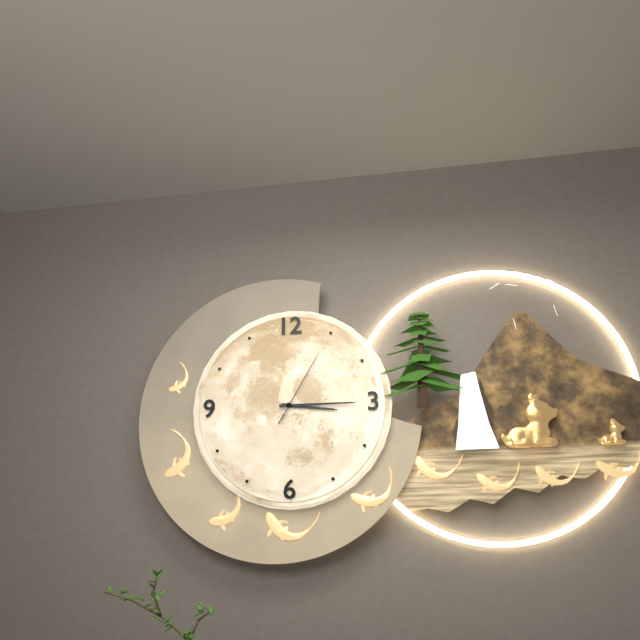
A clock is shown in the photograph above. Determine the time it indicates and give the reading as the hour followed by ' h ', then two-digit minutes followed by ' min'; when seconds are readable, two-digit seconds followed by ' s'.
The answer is 3 h 15 min 05 s
